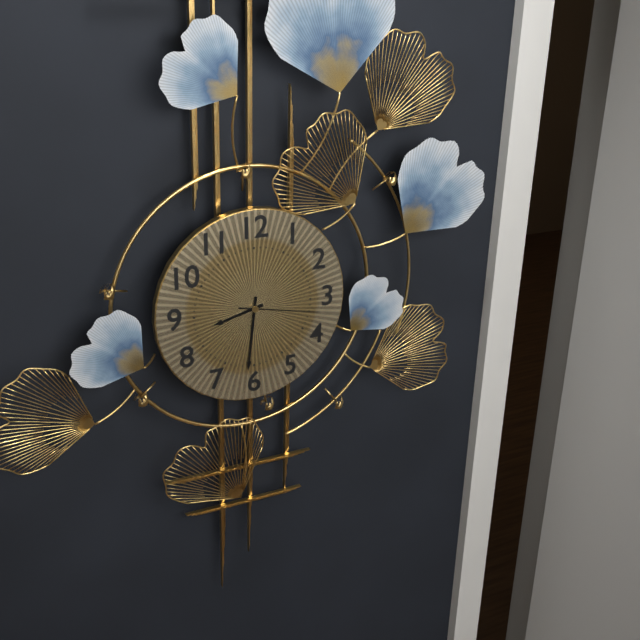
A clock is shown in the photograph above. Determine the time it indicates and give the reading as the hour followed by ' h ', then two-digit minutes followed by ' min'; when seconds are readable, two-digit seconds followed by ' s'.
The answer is 8 h 31 min 17 s
